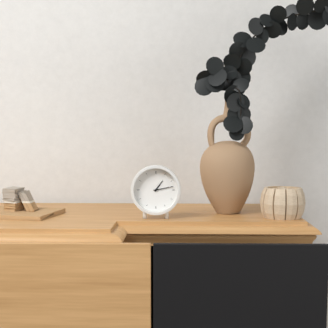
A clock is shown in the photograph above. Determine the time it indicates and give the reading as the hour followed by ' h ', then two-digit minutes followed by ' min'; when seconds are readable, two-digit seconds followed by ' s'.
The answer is 1 h 13 min
